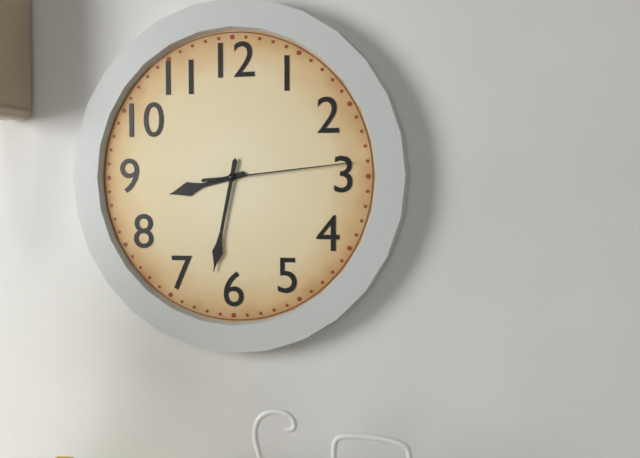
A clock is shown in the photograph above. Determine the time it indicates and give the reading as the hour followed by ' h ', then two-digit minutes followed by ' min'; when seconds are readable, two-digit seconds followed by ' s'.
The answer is 8 h 32 min 14 s
